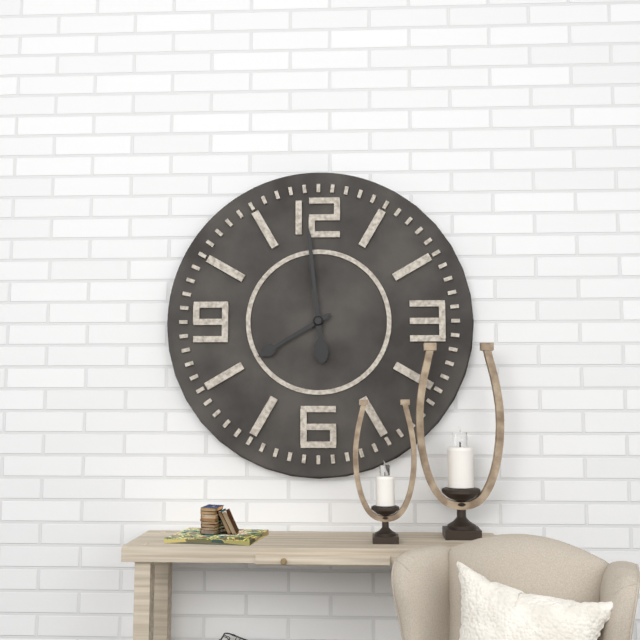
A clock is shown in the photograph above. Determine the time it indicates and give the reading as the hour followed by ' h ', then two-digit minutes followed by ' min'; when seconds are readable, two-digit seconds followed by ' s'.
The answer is 7 h 59 min
